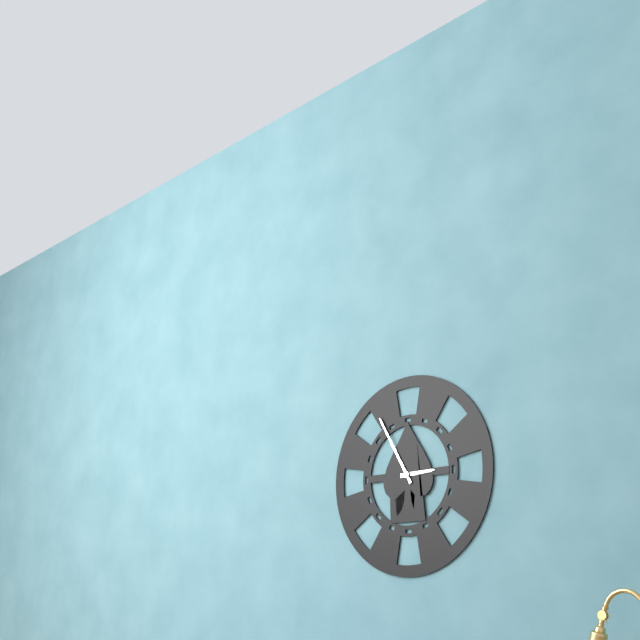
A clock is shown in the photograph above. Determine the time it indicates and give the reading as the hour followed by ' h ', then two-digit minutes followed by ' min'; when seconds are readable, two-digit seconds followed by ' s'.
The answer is 2 h 55 min
